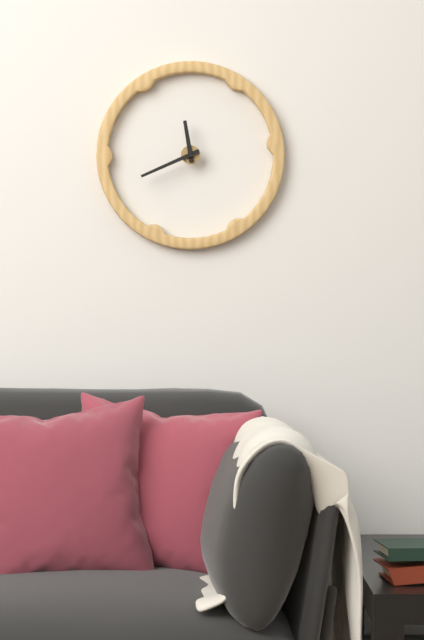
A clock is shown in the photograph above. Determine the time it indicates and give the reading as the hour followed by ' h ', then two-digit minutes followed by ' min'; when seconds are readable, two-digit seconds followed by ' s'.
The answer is 11 h 41 min
